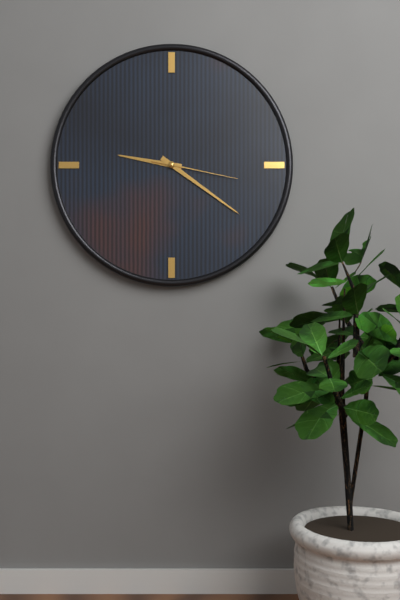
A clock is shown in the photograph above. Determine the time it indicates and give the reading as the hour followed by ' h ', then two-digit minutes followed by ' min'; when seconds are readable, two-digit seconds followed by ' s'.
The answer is 9 h 21 min 17 s
